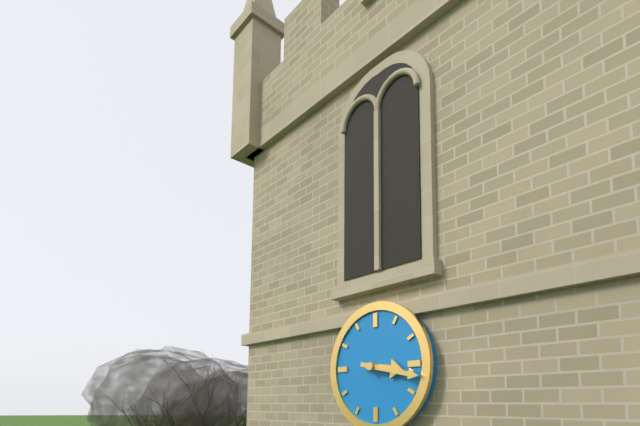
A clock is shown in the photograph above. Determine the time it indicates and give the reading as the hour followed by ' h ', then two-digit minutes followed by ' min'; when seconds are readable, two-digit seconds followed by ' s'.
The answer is 3 h 17 min
